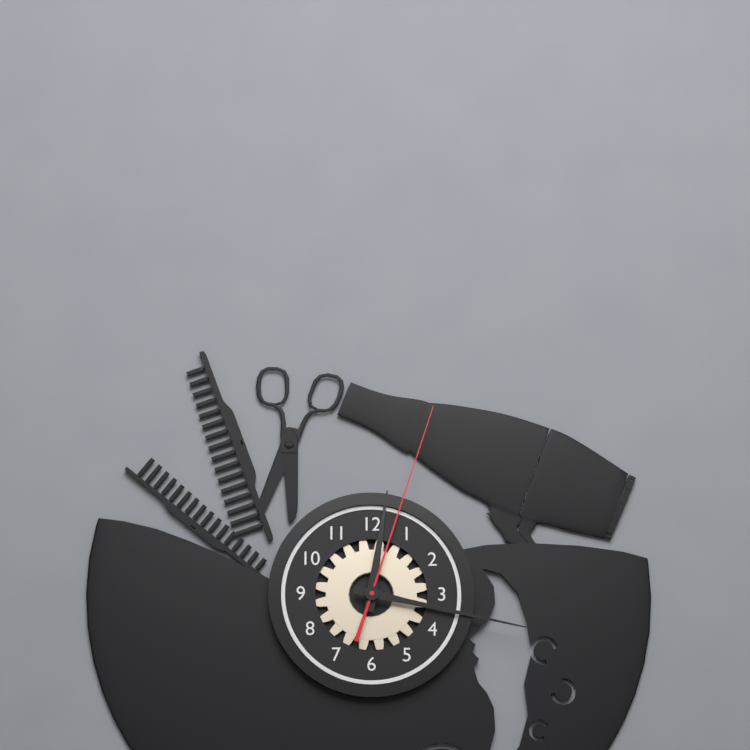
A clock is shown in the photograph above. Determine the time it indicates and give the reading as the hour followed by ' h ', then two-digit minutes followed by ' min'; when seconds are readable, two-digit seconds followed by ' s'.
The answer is 12 h 17 min 03 s
